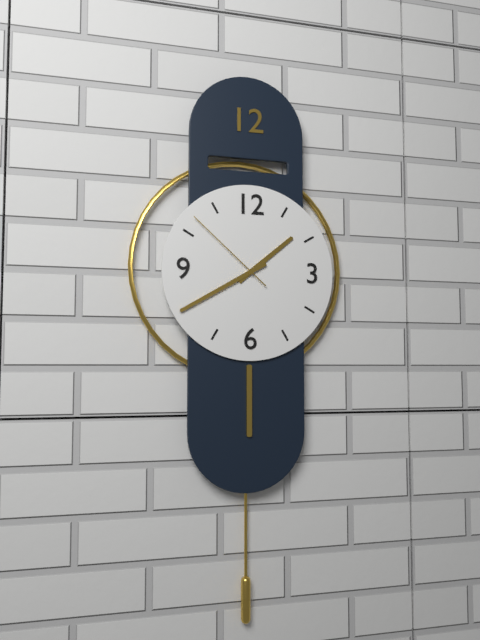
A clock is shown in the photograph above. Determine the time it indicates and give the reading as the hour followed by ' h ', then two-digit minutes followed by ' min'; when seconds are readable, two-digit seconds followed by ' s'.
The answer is 1 h 40 min 52 s
